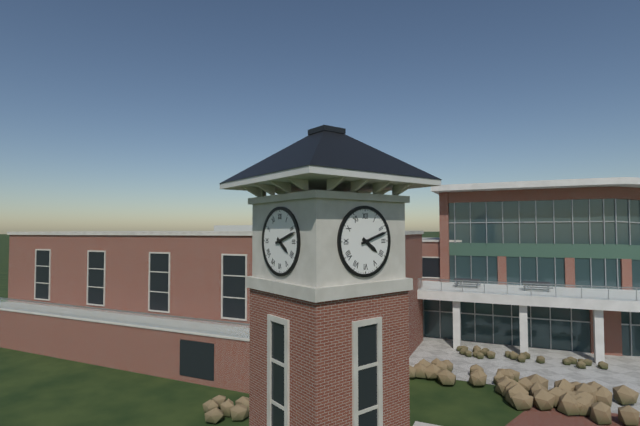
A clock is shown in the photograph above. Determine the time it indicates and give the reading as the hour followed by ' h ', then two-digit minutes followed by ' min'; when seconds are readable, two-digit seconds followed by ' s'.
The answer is 4 h 12 min
